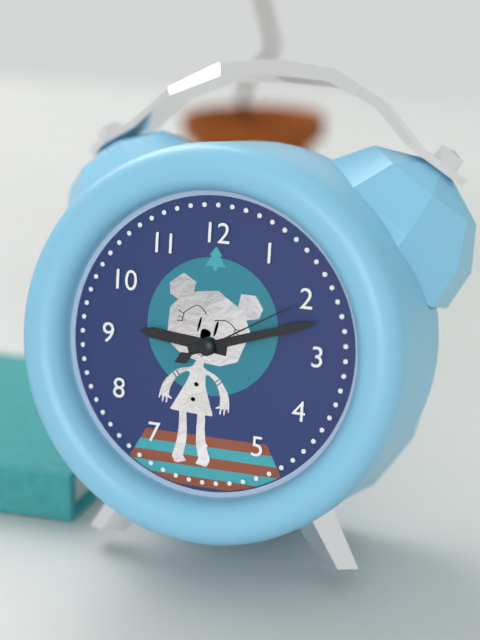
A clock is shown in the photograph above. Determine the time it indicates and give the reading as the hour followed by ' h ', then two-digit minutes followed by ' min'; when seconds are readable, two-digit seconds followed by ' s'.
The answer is 9 h 12 min 10 s
